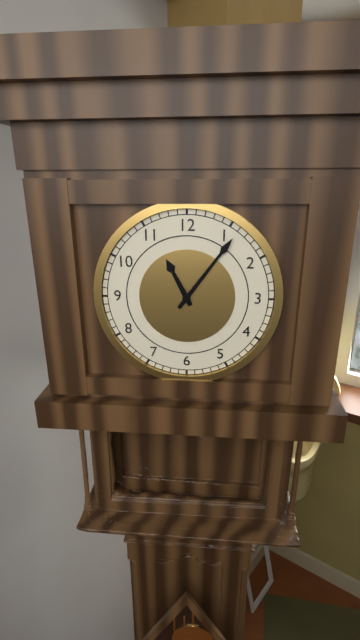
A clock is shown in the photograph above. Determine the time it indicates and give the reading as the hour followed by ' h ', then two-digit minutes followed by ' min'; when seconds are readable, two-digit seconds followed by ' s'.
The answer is 11 h 06 min
